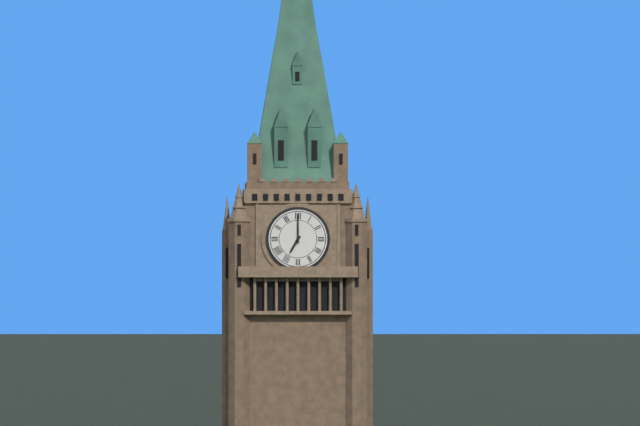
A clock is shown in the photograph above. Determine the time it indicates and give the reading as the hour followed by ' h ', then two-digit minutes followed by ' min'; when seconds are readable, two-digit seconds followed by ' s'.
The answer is 7 h 00 min
